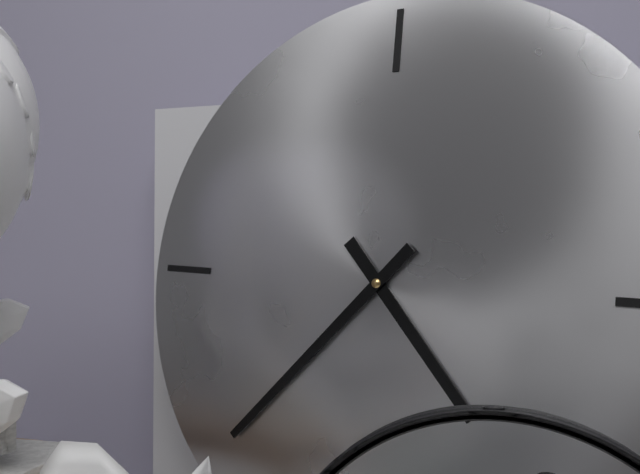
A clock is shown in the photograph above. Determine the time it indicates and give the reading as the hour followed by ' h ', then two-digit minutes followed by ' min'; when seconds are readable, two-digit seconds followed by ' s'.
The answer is 4 h 37 min
